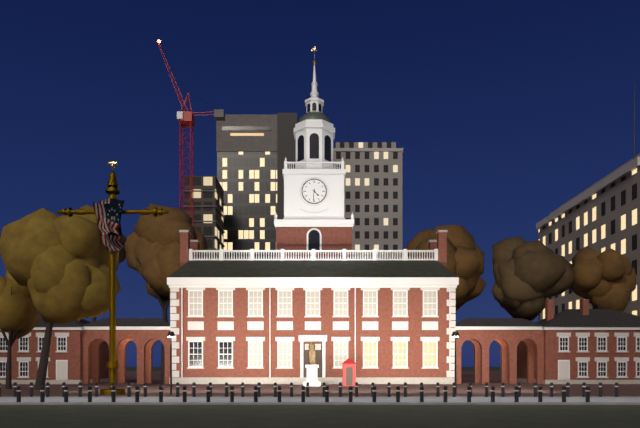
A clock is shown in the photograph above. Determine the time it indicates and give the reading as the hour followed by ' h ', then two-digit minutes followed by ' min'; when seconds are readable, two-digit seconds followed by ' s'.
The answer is 4 h 31 min
